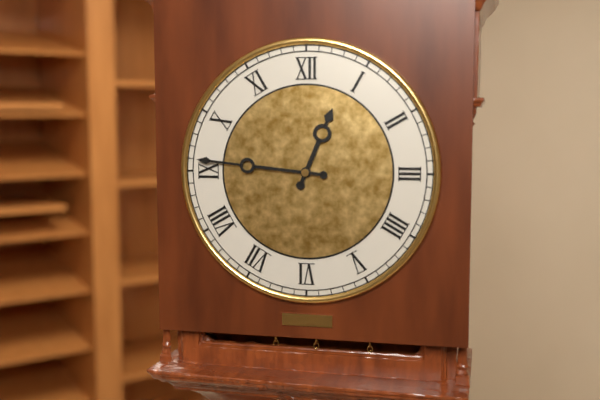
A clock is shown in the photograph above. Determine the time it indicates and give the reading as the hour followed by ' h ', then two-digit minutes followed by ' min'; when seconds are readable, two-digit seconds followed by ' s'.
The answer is 12 h 46 min
